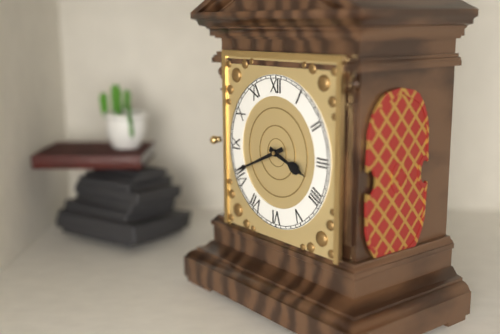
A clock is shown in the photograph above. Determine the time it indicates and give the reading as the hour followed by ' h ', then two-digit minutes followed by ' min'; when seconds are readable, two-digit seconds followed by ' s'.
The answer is 3 h 41 min
